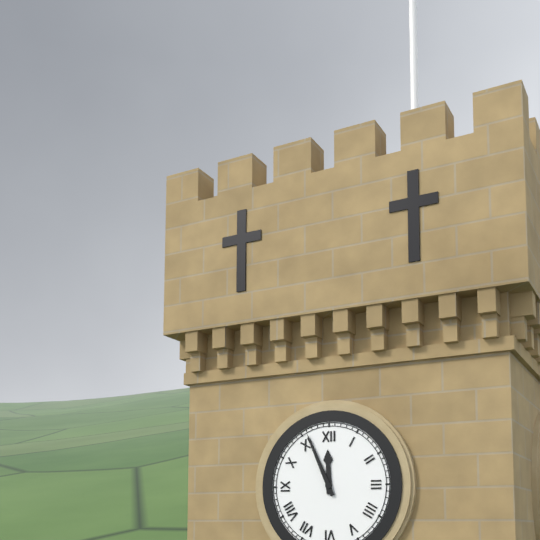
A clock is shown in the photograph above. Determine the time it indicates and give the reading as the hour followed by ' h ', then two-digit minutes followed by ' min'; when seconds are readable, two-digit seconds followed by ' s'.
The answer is 11 h 56 min
